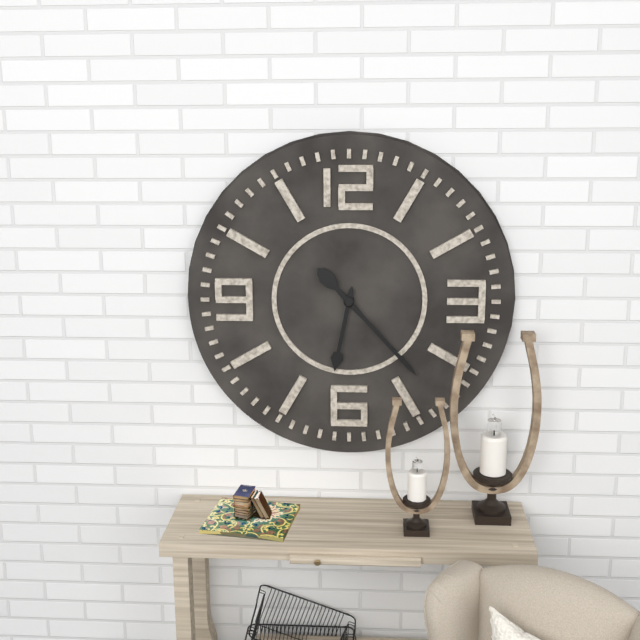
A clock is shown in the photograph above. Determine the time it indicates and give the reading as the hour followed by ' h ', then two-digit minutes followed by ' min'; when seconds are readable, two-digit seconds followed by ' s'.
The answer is 6 h 23 min
